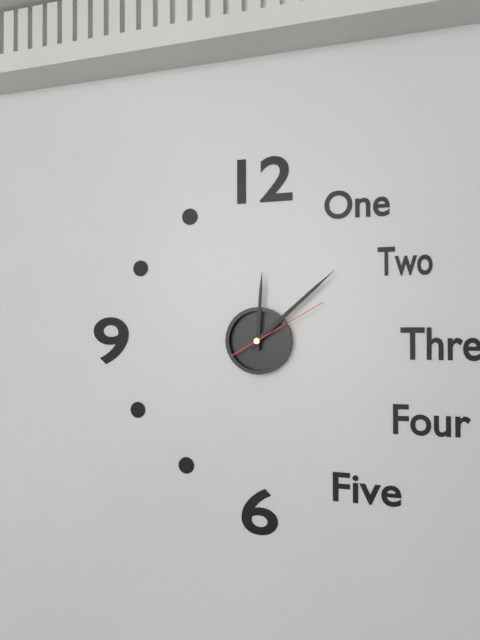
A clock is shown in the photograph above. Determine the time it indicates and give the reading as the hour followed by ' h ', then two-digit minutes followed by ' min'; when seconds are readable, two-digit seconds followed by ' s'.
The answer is 12 h 08 min 10 s
